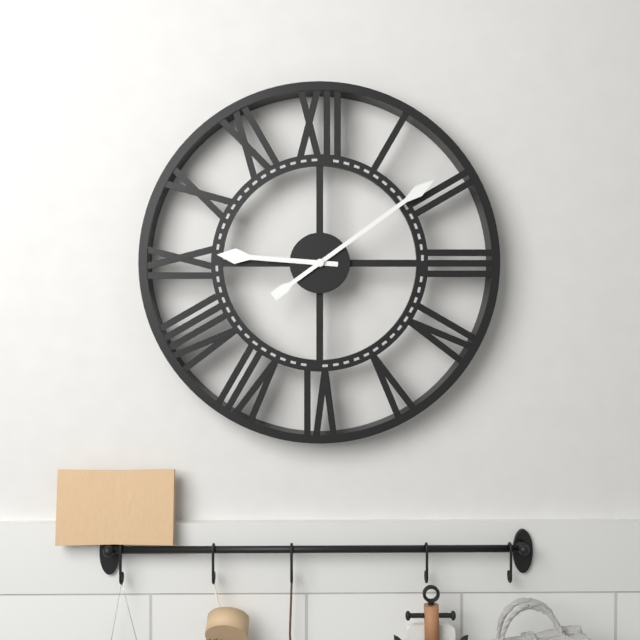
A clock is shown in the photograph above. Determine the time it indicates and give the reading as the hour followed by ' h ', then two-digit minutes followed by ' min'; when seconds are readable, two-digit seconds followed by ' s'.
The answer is 9 h 09 min
